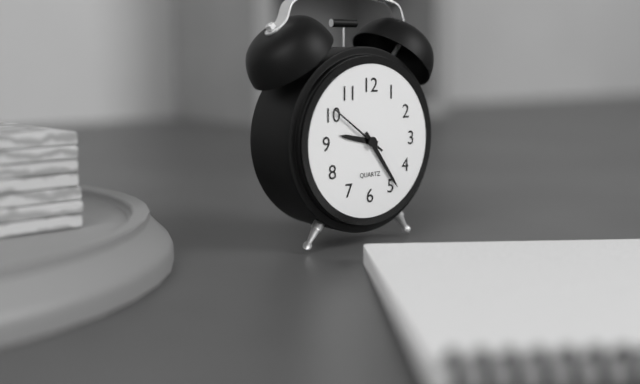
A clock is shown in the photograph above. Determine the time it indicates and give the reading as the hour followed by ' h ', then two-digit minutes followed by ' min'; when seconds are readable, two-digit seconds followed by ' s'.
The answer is 9 h 24 min 51 s
